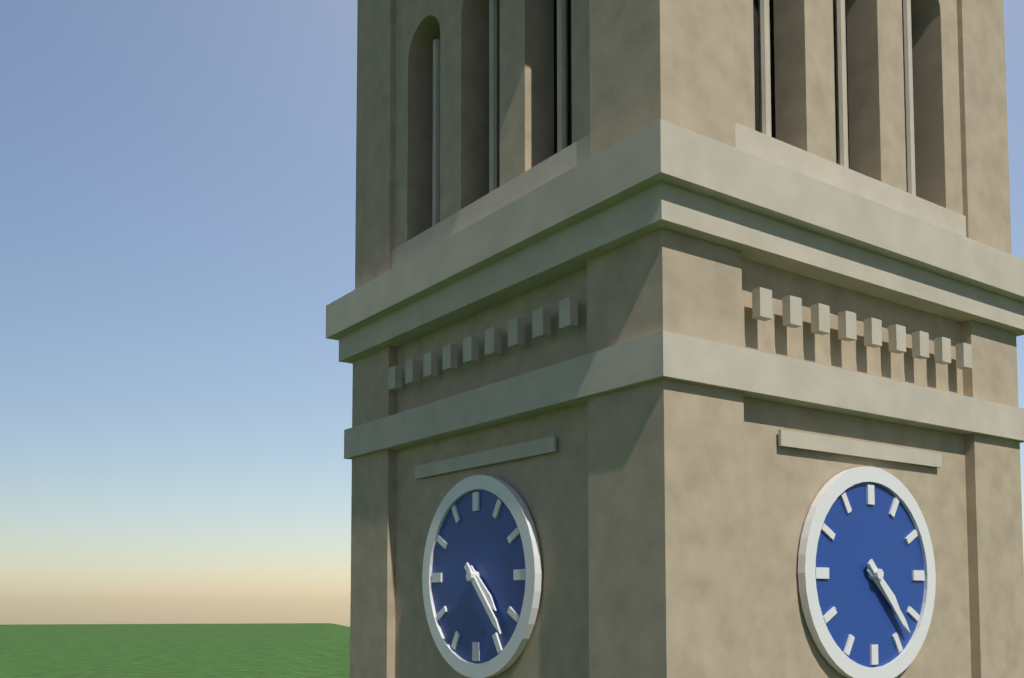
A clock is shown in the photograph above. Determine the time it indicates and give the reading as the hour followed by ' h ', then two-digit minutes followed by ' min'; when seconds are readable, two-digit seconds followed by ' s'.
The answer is 4 h 23 min
